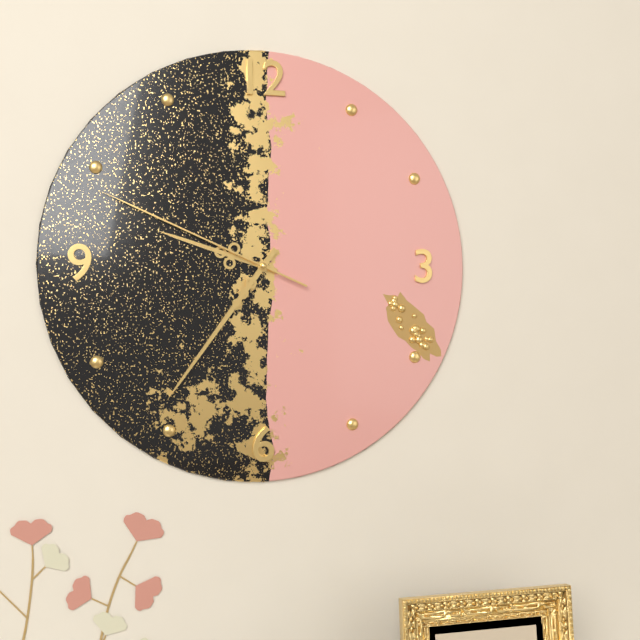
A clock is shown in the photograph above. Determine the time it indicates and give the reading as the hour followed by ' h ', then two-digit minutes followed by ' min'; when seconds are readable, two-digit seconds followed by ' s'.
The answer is 9 h 36 min 49 s
